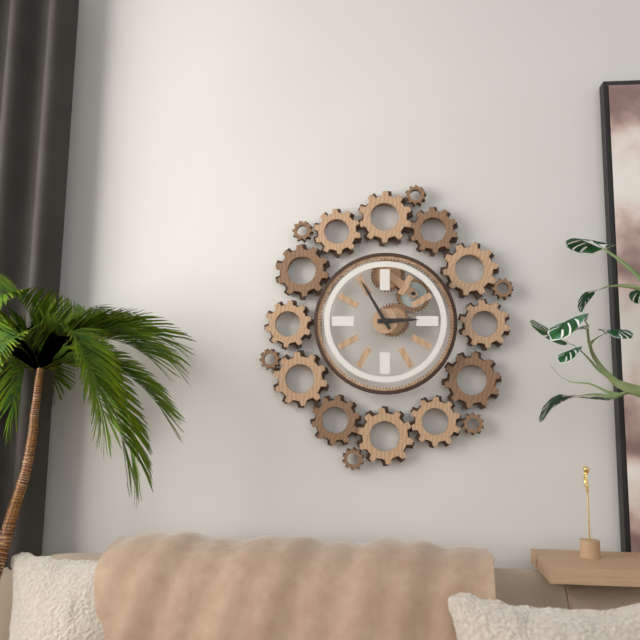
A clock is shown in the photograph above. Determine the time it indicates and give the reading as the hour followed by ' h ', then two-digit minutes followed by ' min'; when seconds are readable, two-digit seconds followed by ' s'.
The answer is 2 h 55 min
